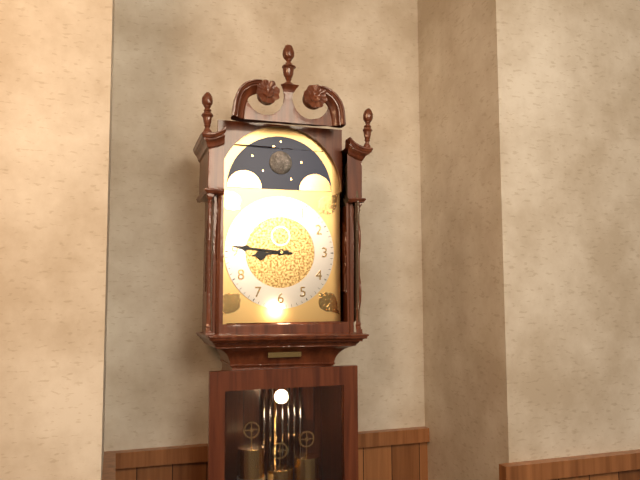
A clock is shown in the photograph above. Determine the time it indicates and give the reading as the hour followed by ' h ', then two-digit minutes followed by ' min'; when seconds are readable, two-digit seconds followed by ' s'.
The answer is 8 h 46 min
